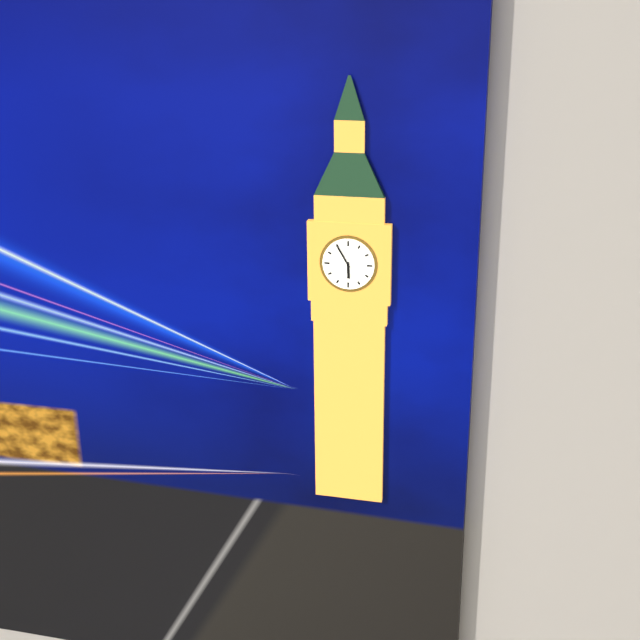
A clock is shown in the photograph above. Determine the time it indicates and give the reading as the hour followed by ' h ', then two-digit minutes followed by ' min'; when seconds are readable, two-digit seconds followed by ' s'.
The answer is 5 h 55 min
